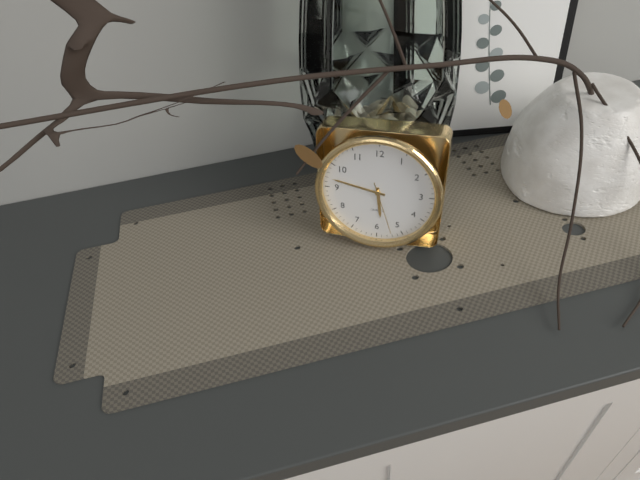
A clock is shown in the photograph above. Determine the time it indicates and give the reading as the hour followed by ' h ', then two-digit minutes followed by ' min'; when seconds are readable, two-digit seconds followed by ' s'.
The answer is 5 h 47 min 27 s
